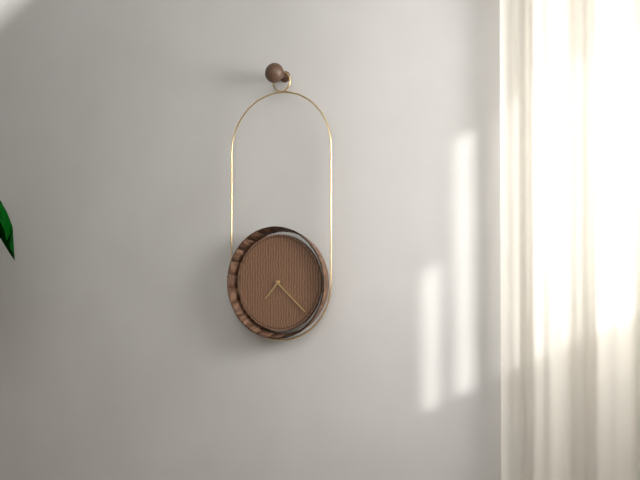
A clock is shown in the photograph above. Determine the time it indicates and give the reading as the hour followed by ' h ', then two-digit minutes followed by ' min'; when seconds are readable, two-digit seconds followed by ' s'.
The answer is 7 h 22 min
